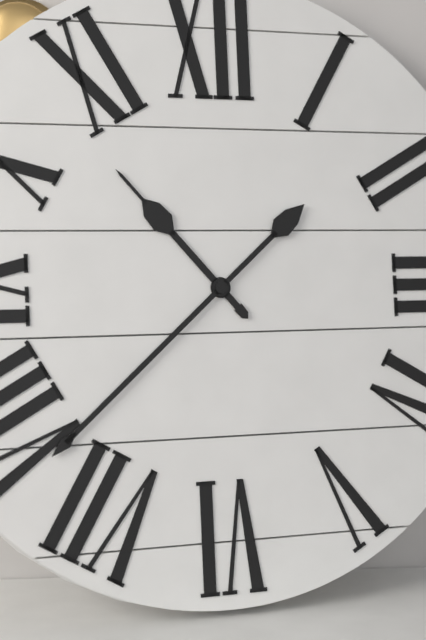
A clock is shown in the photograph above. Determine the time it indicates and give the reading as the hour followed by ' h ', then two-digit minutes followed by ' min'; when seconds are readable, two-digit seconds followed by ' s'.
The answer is 10 h 38 min
